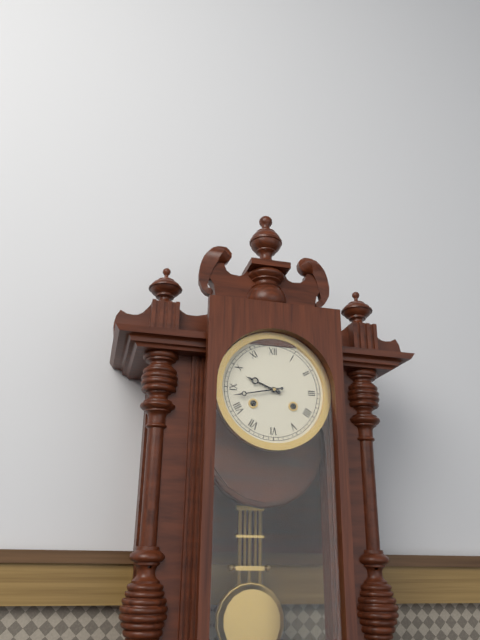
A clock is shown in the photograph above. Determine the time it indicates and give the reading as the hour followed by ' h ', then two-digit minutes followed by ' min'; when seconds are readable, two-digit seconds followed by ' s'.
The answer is 9 h 43 min
